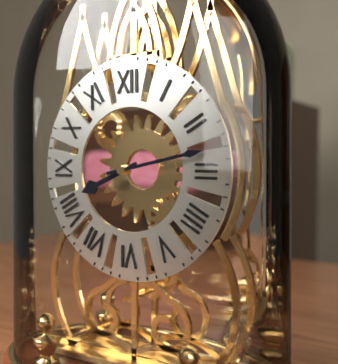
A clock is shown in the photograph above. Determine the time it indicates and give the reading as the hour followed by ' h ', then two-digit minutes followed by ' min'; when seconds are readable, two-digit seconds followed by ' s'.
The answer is 8 h 13 min
